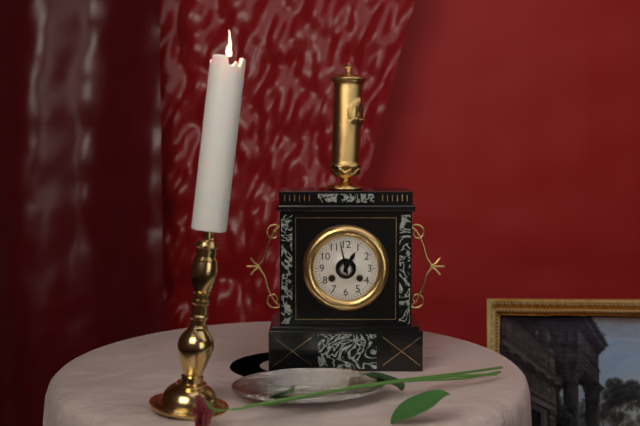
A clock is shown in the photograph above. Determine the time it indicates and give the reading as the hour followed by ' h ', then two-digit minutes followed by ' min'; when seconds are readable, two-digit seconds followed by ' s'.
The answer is 12 h 58 min
